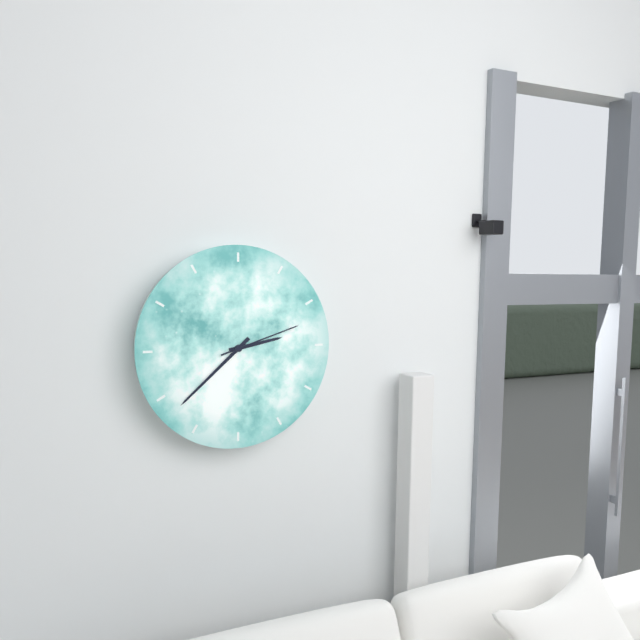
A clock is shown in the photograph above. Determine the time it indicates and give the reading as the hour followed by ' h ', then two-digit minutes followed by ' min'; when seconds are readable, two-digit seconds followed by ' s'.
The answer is 2 h 38 min 12 s
